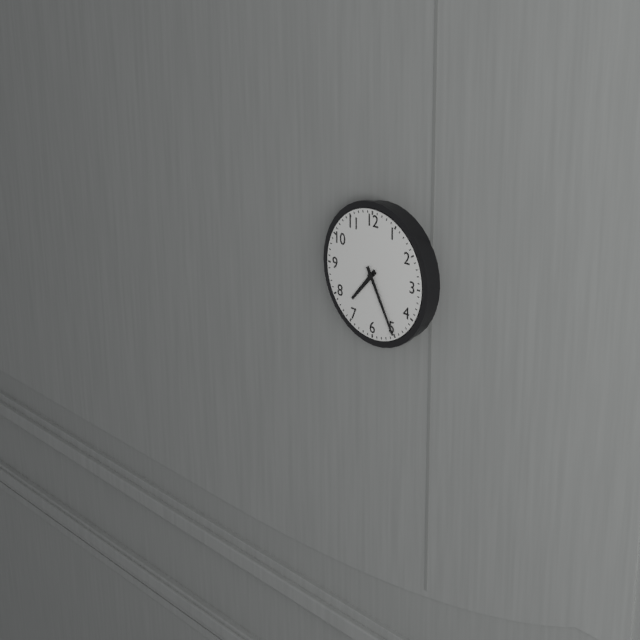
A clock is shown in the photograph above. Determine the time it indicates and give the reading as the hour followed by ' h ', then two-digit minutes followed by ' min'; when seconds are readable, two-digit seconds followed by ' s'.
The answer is 7 h 25 min
